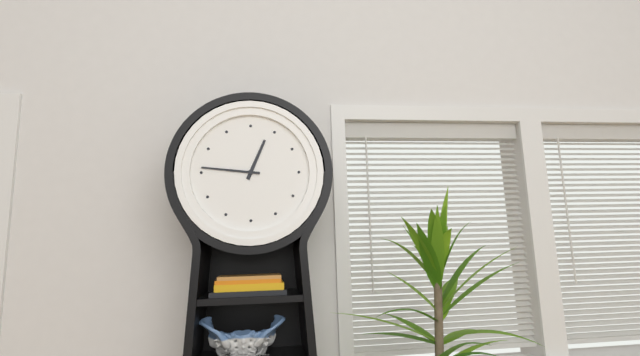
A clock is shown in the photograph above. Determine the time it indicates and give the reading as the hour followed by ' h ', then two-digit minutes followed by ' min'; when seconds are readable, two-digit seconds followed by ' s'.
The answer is 12 h 46 min
